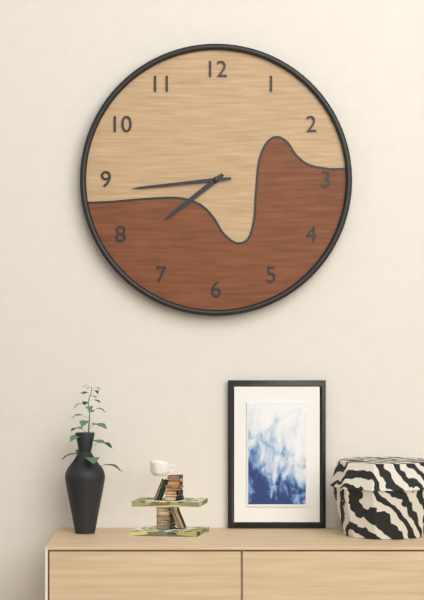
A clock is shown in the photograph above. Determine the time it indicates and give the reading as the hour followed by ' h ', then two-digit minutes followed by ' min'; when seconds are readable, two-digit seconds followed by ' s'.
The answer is 7 h 44 min
